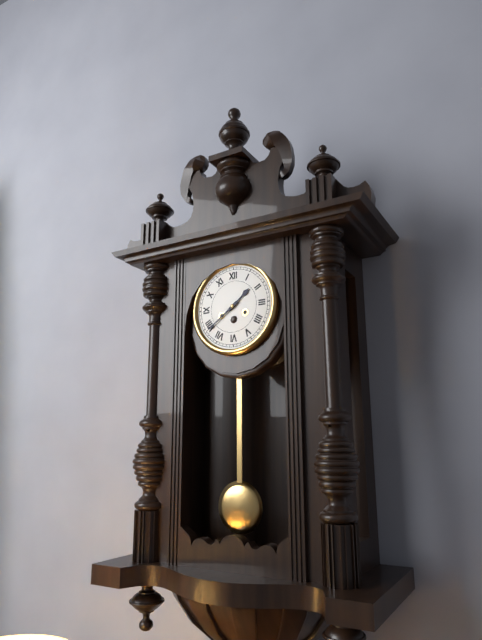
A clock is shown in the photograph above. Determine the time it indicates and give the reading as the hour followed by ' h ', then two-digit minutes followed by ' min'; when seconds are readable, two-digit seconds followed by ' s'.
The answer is 1 h 39 min
